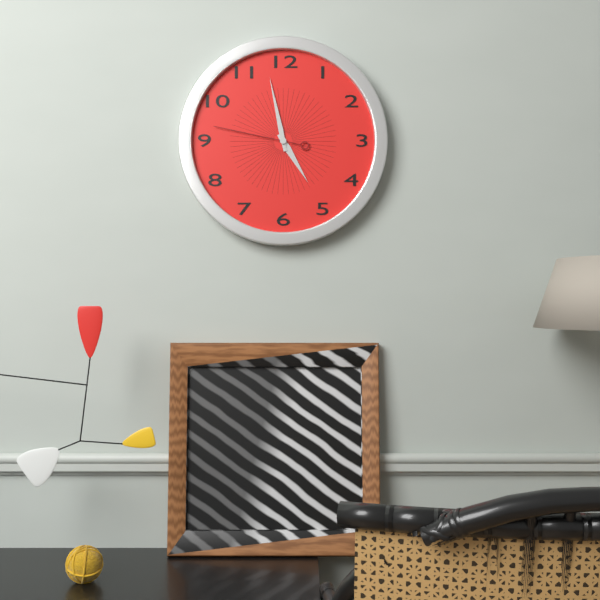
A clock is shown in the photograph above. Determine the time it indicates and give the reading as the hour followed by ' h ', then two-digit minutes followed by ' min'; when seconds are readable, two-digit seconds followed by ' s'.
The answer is 4 h 58 min 47 s
